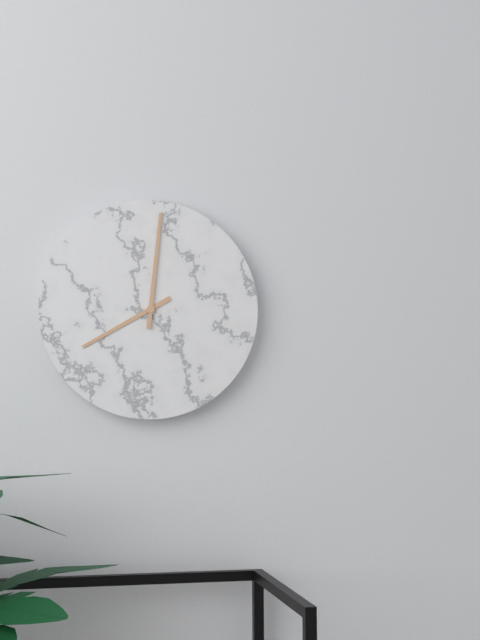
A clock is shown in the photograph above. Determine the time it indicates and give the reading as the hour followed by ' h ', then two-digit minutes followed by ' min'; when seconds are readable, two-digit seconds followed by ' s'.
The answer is 8 h 01 min
